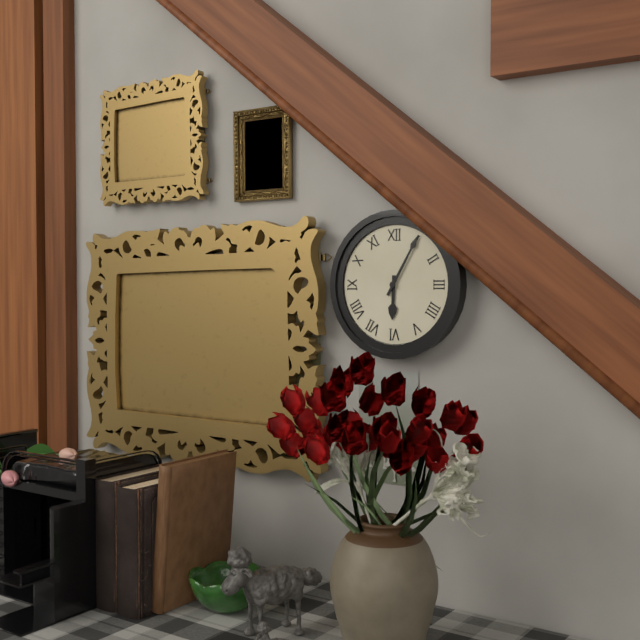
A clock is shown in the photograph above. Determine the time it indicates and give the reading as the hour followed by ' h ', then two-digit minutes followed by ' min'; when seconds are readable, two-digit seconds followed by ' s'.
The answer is 6 h 05 min
